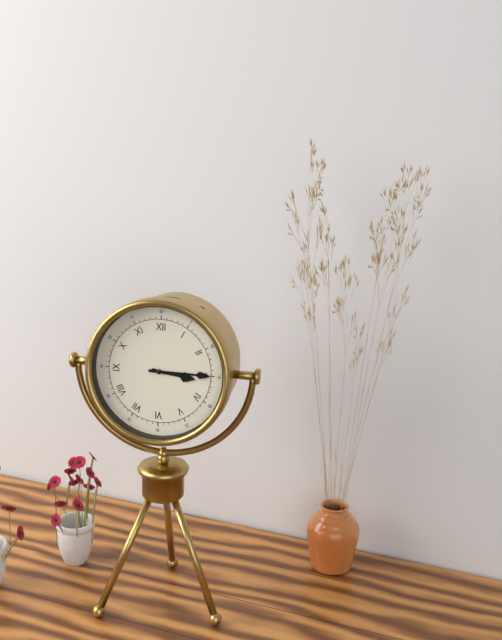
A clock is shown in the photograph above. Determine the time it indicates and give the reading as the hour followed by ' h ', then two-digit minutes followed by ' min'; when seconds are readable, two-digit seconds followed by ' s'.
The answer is 3 h 15 min
